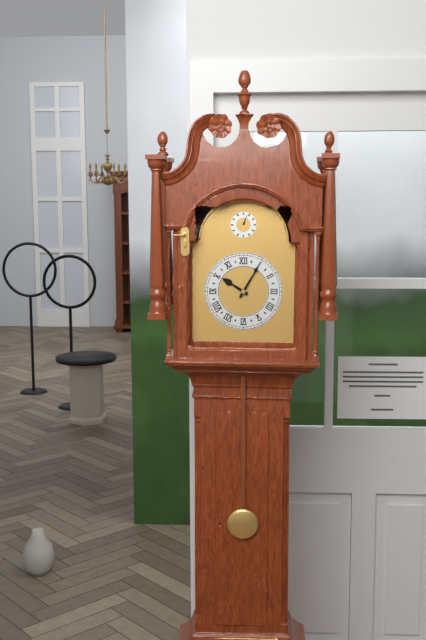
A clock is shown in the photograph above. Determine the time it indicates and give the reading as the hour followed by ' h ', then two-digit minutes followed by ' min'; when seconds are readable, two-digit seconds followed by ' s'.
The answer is 10 h 05 min
